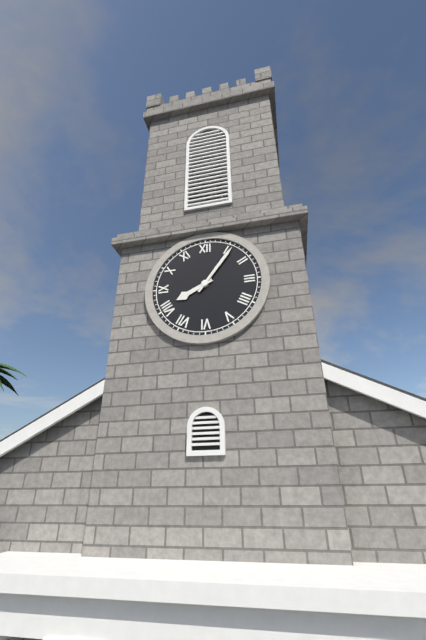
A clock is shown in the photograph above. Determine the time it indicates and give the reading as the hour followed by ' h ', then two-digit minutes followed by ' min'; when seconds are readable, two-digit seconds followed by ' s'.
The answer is 8 h 06 min
